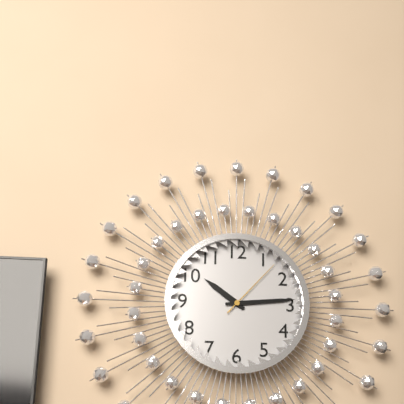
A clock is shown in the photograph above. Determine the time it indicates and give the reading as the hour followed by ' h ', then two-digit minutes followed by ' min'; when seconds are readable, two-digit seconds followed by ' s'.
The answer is 10 h 14 min 07 s
